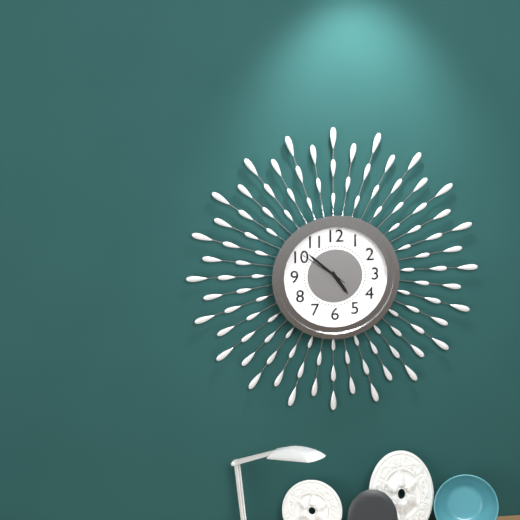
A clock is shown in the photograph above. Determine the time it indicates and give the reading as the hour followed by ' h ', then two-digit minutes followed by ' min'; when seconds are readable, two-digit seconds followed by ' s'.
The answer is 4 h 52 min
